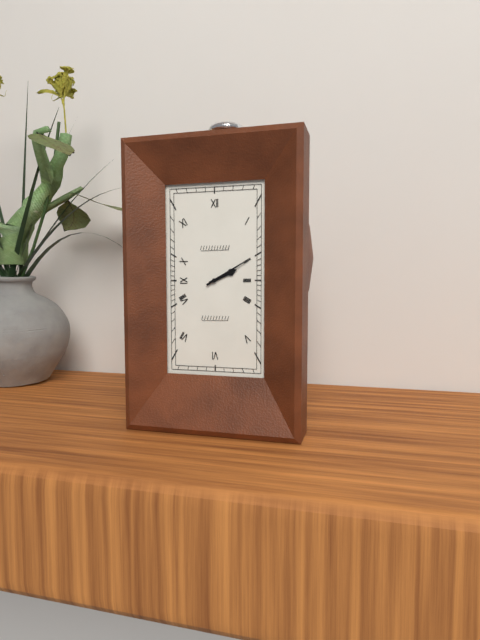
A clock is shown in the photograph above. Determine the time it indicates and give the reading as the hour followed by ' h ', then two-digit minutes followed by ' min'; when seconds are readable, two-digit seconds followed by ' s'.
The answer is 2 h 10 min
